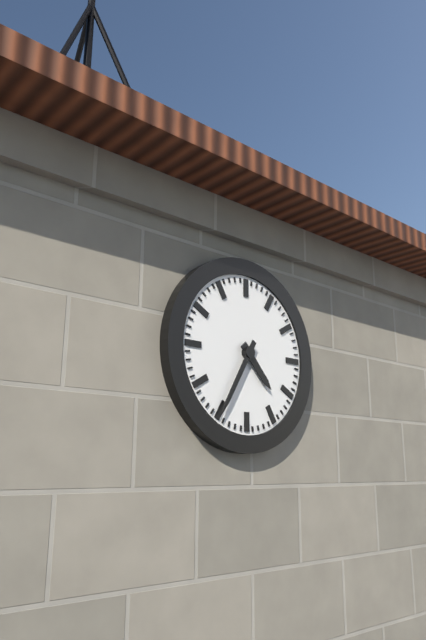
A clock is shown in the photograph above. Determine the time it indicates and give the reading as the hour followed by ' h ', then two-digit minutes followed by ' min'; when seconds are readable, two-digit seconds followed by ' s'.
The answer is 4 h 35 min
